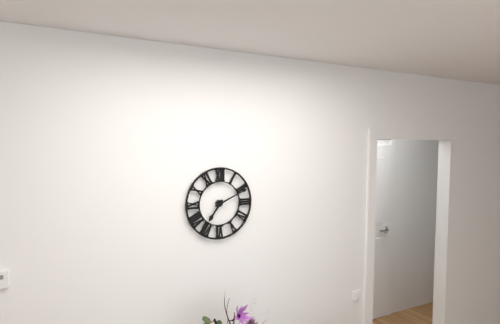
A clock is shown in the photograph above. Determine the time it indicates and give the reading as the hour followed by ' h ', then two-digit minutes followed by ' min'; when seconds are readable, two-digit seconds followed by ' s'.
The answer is 7 h 11 min
